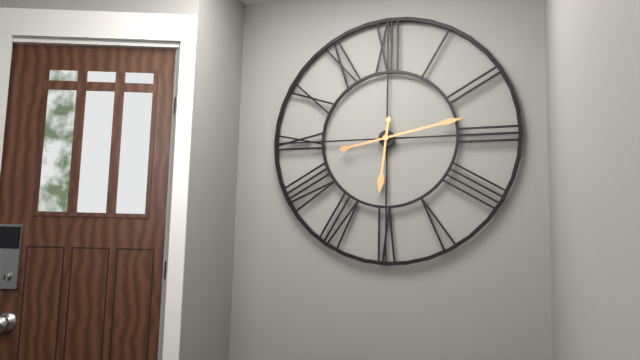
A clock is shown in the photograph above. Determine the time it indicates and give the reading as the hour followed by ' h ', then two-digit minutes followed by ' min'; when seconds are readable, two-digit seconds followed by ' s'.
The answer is 6 h 13 min
